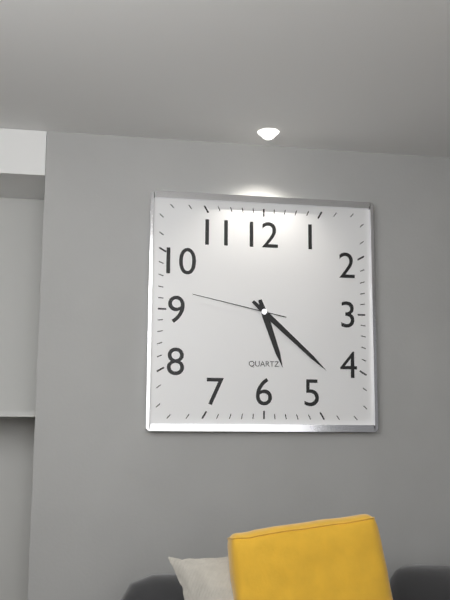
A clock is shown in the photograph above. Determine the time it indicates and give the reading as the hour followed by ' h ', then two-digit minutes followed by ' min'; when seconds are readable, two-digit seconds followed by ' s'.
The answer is 5 h 22 min 47 s
